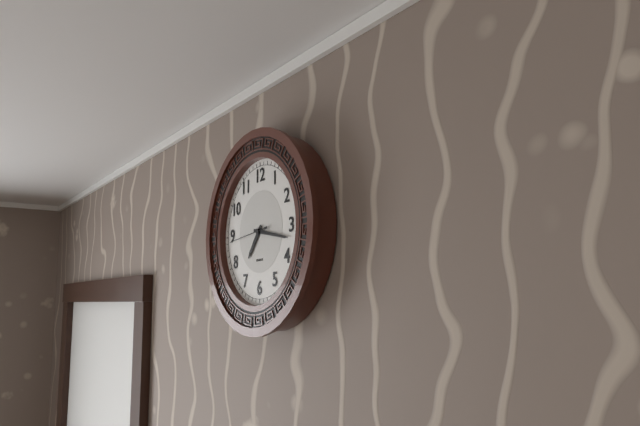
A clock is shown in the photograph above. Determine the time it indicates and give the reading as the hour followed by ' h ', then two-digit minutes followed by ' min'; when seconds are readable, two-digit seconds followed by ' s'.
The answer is 7 h 17 min
